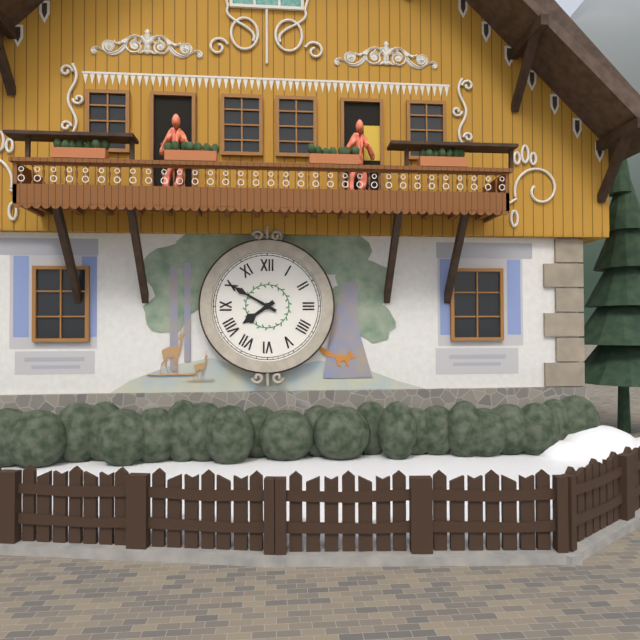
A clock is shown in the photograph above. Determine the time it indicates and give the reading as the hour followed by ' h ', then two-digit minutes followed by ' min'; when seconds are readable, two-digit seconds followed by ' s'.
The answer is 7 h 50 min
